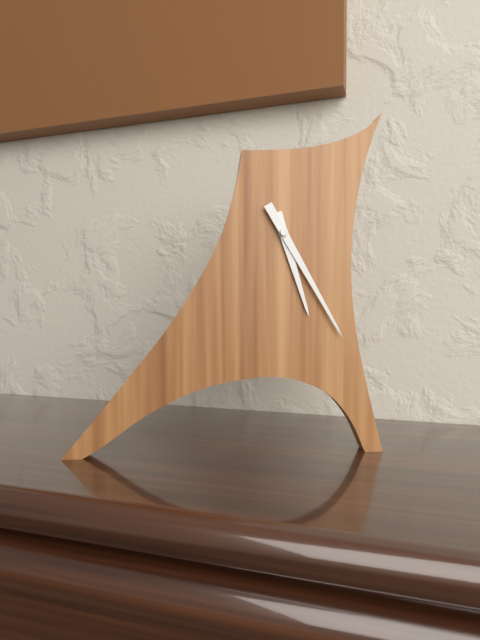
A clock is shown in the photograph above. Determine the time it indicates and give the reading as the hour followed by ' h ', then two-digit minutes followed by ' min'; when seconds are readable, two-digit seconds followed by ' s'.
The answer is 5 h 25 min
